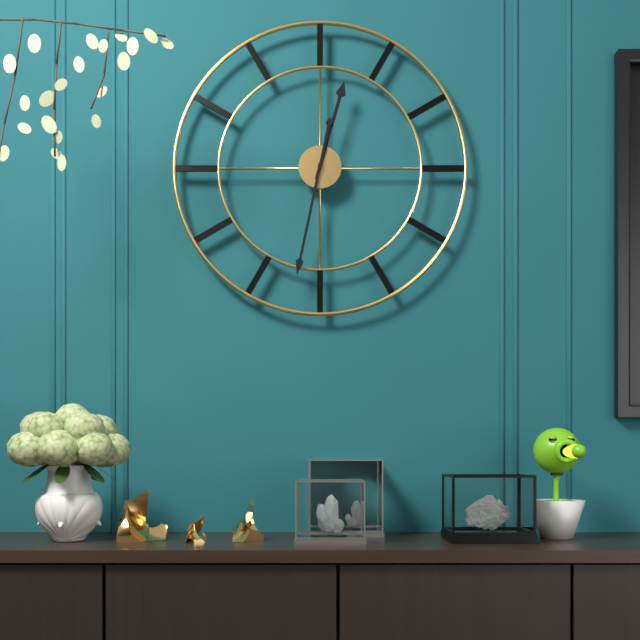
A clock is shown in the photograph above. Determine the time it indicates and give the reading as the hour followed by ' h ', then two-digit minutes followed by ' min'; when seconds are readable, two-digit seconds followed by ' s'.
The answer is 12 h 32 min
